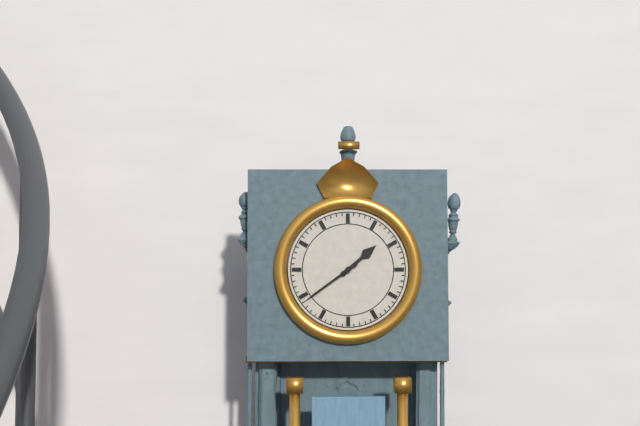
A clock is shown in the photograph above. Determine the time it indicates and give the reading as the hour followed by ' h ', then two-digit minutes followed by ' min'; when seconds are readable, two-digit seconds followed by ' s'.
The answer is 1 h 39 min
